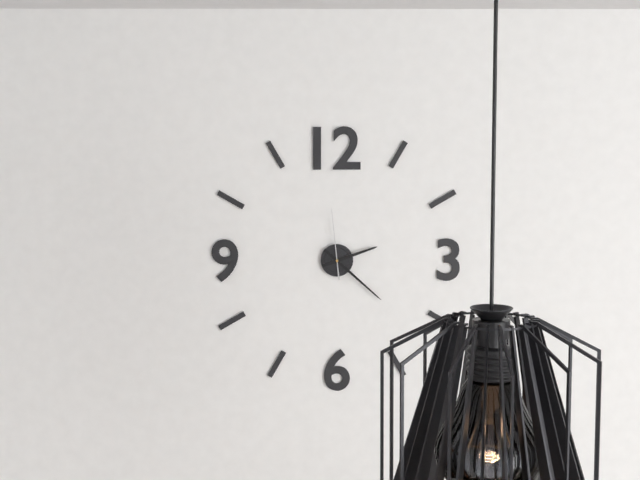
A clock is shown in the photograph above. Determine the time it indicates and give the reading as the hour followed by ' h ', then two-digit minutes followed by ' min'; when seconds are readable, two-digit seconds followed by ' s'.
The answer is 2 h 22 min 59 s
